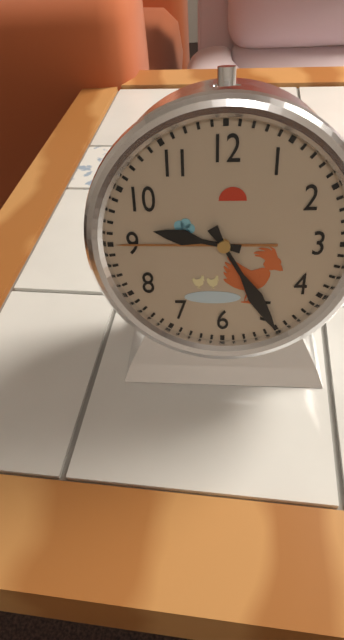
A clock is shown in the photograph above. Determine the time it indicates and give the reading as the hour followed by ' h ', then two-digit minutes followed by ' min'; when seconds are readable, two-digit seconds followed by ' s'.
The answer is 9 h 25 min
